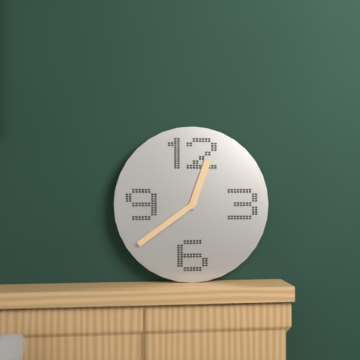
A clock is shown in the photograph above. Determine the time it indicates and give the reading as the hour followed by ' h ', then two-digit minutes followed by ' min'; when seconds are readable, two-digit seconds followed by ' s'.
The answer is 12 h 39 min
